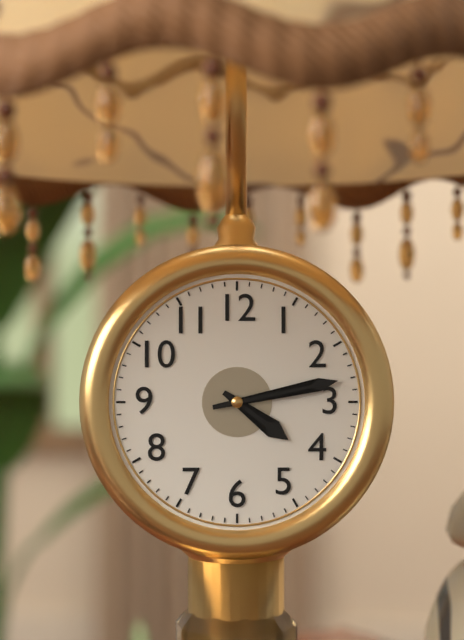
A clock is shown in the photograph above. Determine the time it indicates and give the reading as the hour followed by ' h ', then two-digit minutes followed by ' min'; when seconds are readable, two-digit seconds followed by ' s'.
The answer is 4 h 13 min
